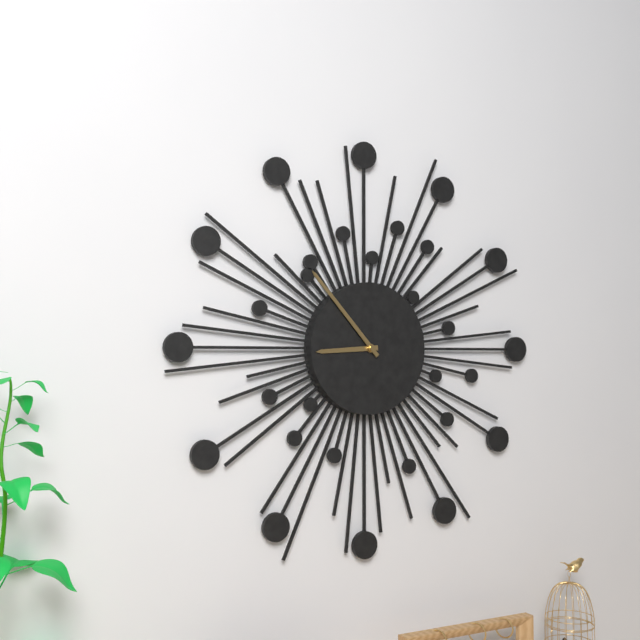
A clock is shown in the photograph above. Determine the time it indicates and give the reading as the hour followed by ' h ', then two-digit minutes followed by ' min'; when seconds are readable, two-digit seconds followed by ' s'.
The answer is 8 h 53 min
